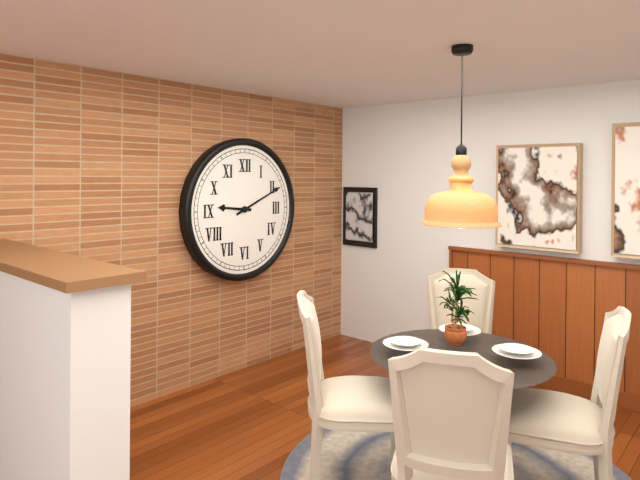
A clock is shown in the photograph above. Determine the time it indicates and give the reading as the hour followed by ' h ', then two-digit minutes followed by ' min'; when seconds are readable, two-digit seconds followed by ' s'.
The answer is 9 h 11 min
